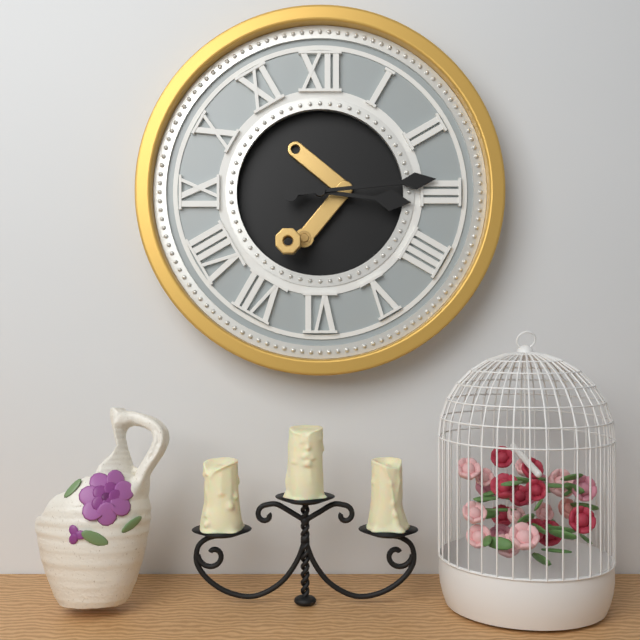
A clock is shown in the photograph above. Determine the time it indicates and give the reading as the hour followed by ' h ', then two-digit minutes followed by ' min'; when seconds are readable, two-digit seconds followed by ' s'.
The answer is 3 h 14 min
